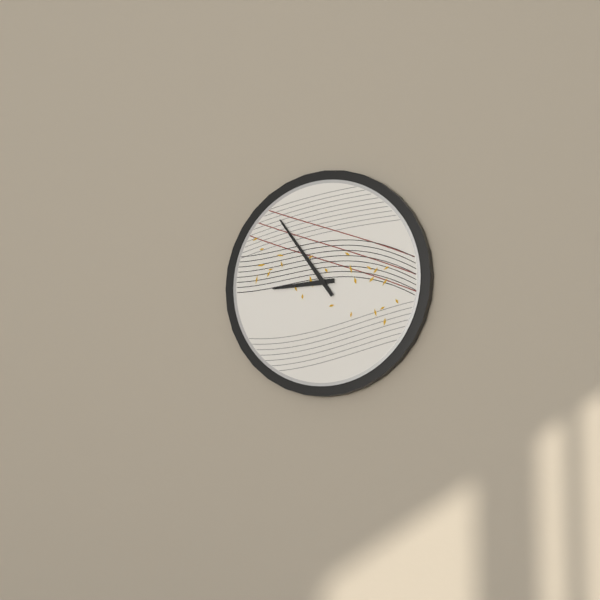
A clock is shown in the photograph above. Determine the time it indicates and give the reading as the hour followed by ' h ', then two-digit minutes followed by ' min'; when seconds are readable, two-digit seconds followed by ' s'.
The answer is 8 h 54 min
